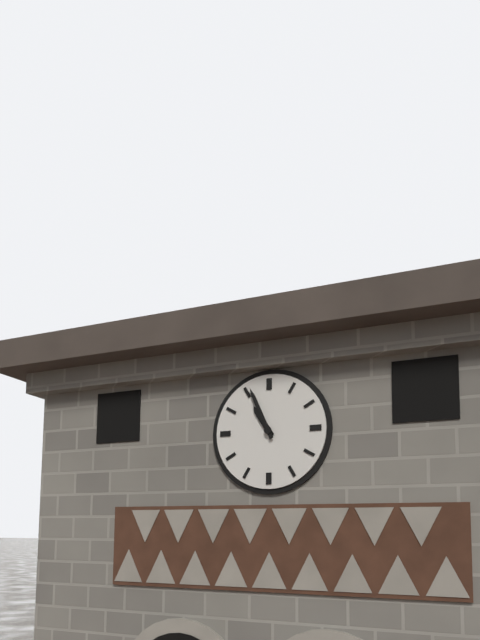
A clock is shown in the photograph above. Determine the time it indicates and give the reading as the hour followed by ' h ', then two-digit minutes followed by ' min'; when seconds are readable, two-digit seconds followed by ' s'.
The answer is 10 h 56 min
